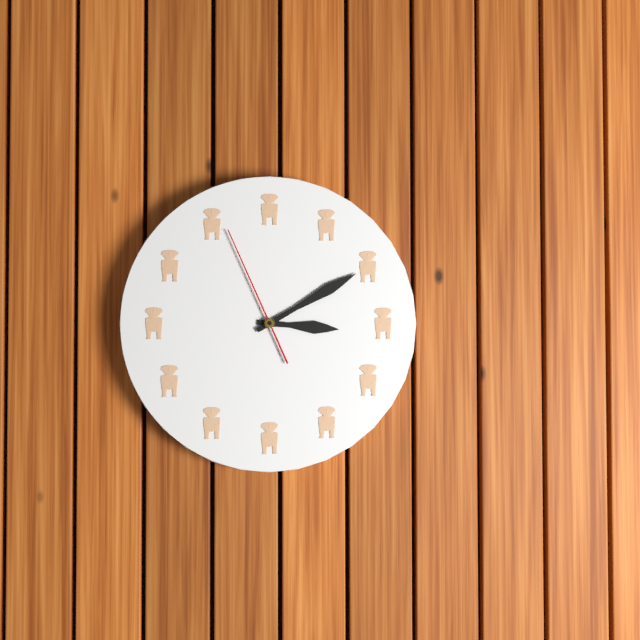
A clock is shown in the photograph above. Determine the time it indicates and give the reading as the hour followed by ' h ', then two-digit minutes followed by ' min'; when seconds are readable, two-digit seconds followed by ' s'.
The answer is 3 h 10 min 56 s
